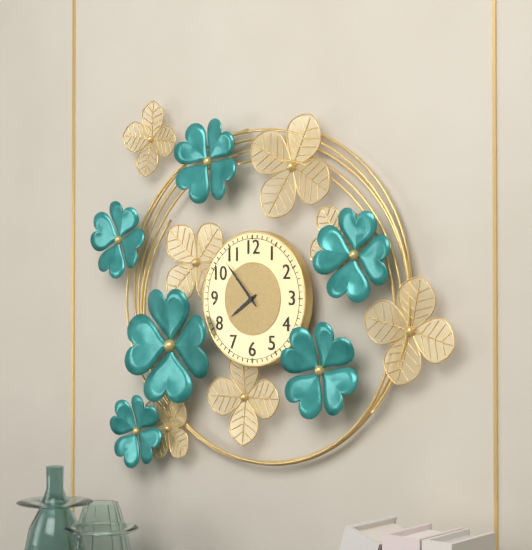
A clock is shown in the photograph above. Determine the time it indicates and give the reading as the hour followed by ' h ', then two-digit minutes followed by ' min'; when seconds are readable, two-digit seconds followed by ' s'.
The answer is 7 h 53 min
